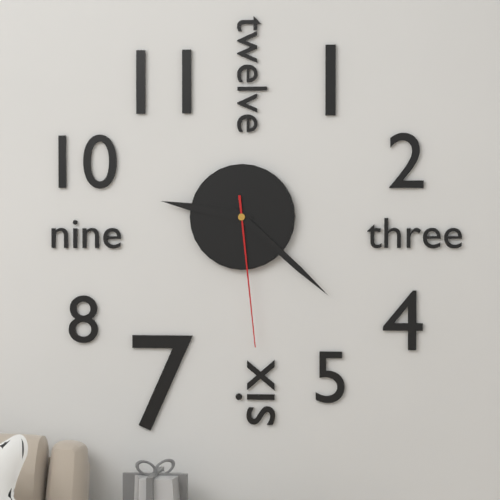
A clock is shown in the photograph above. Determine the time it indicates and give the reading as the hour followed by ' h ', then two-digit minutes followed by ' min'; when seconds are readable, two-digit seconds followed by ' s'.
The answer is 9 h 22 min 29 s
